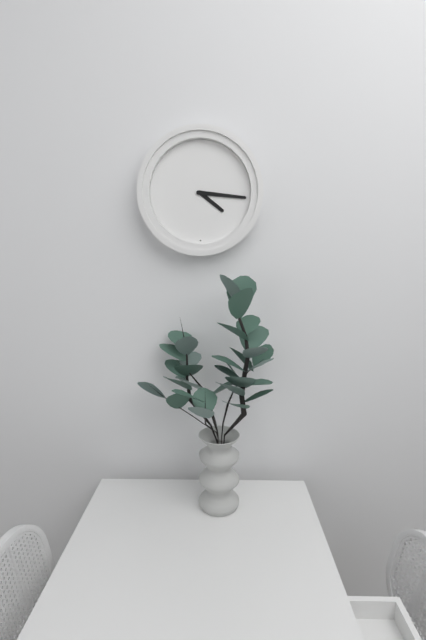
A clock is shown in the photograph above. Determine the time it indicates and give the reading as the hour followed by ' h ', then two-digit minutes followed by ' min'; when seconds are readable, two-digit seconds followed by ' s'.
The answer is 4 h 16 min
